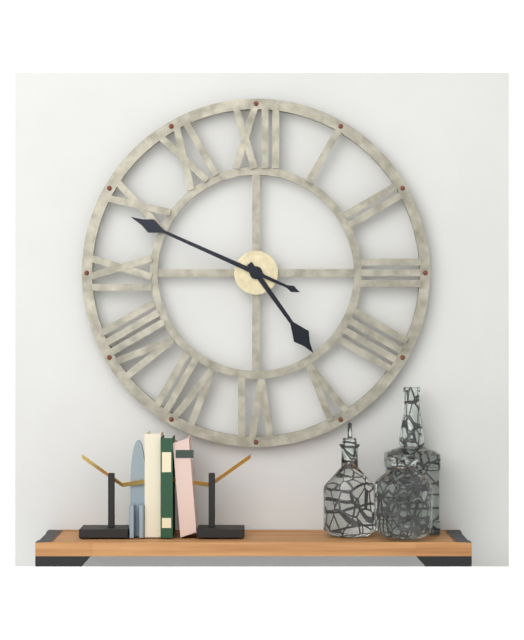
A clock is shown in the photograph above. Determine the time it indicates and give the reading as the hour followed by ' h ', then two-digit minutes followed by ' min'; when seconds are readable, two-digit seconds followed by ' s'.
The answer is 4 h 49 min
